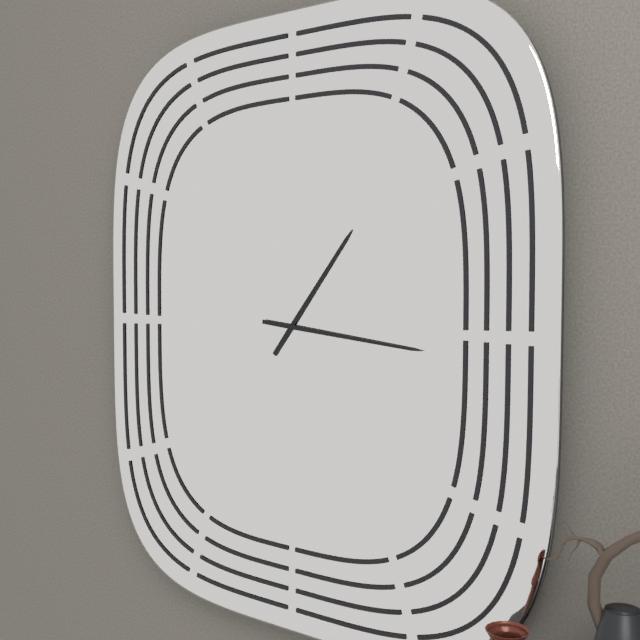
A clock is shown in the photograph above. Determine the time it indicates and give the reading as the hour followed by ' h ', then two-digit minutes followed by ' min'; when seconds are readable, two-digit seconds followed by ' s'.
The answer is 1 h 16 min
